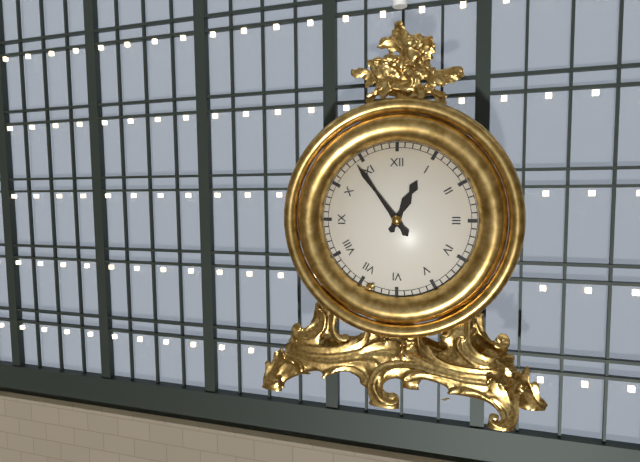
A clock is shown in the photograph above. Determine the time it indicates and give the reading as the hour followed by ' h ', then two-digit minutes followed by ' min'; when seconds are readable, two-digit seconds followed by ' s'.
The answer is 12 h 54 min
